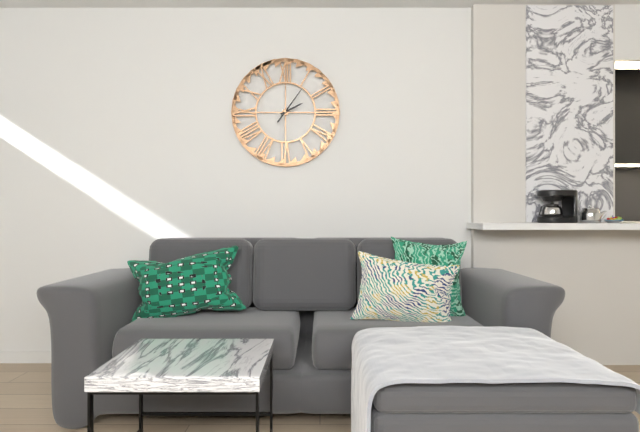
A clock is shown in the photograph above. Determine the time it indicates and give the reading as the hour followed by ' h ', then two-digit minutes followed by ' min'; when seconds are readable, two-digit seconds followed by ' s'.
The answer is 2 h 06 min
